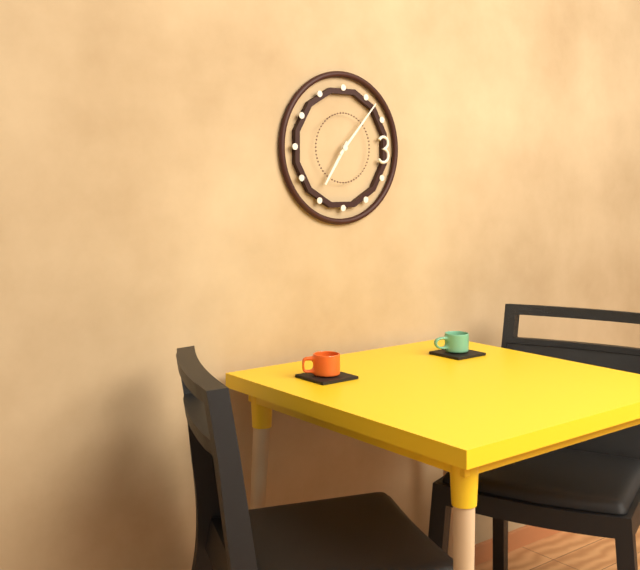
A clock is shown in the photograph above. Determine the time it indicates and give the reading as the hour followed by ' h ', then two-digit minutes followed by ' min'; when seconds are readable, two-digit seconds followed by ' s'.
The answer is 7 h 07 min
